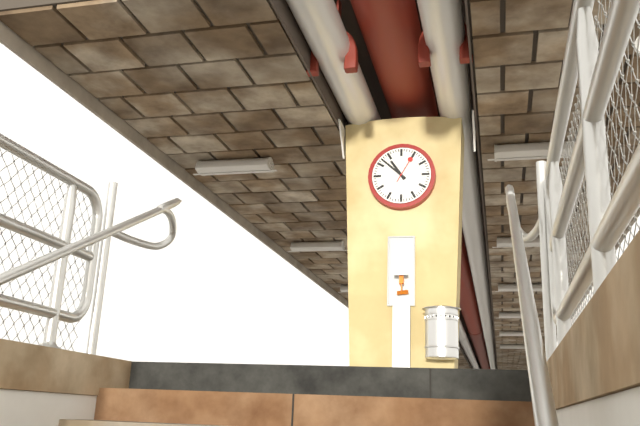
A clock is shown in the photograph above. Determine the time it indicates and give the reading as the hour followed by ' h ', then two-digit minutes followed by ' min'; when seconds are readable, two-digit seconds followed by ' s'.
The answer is 10 h 52 min
